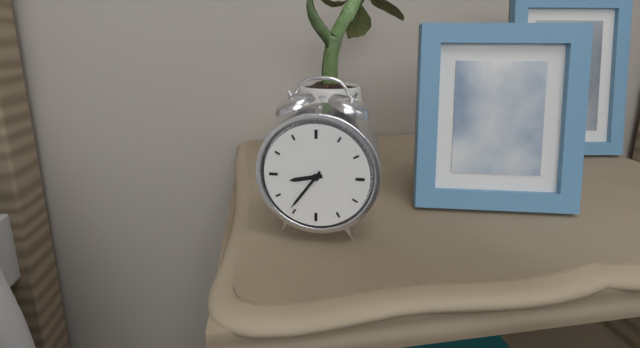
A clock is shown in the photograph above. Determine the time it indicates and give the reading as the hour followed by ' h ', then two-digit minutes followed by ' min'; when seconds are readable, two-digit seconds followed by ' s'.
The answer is 8 h 36 min
